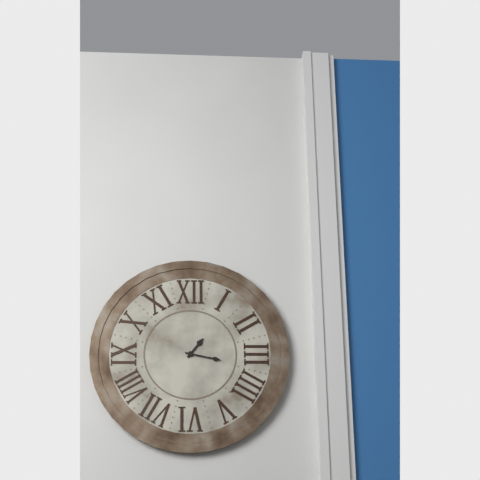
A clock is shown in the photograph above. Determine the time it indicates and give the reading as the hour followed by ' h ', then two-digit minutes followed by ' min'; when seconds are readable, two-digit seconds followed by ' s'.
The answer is 1 h 17 min
